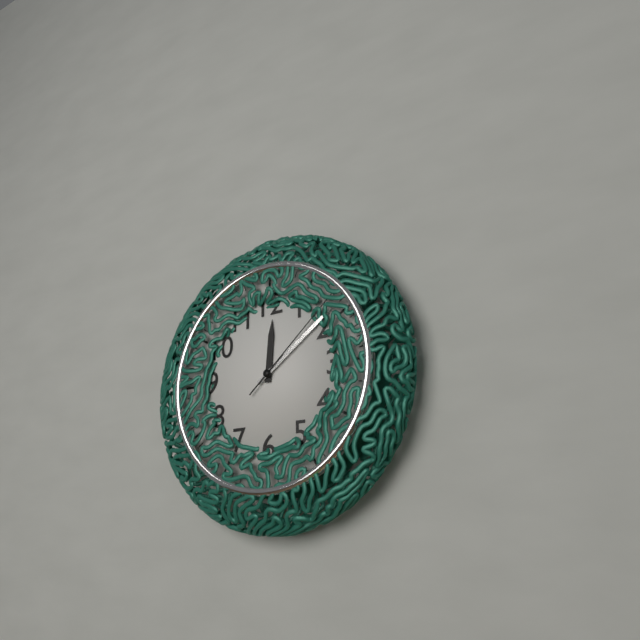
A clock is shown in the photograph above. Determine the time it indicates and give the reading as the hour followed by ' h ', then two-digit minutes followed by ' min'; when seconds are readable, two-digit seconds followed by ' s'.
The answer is 12 h 09 min 08 s
